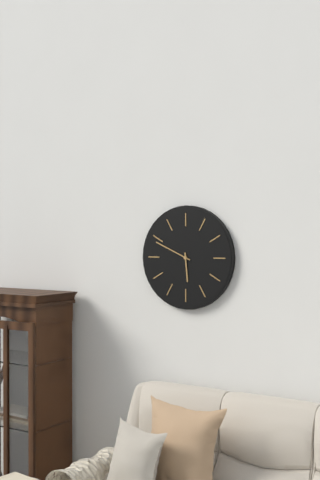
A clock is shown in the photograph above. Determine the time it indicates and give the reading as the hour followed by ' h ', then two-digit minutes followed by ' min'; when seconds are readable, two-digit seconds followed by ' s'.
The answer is 5 h 49 min
